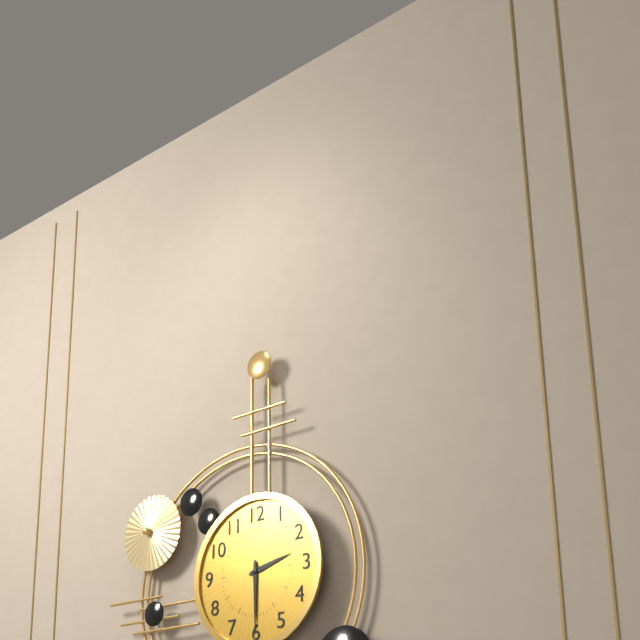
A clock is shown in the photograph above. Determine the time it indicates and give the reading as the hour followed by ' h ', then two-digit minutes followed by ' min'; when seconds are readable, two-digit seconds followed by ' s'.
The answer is 2 h 30 min
